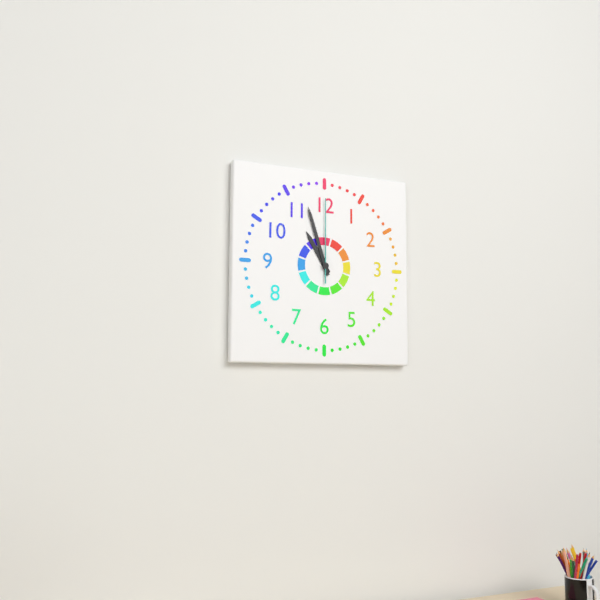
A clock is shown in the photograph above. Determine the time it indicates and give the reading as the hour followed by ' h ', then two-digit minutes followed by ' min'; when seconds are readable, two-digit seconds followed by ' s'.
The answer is 10 h 57 min 00 s
